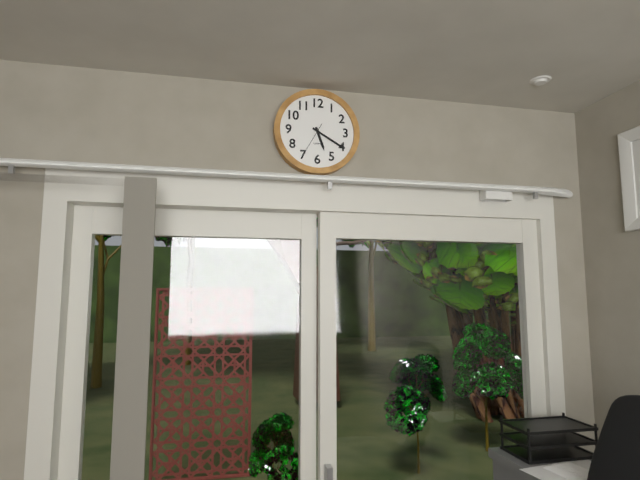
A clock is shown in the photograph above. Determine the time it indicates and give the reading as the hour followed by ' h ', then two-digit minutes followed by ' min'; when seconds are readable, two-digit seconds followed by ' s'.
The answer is 5 h 20 min
